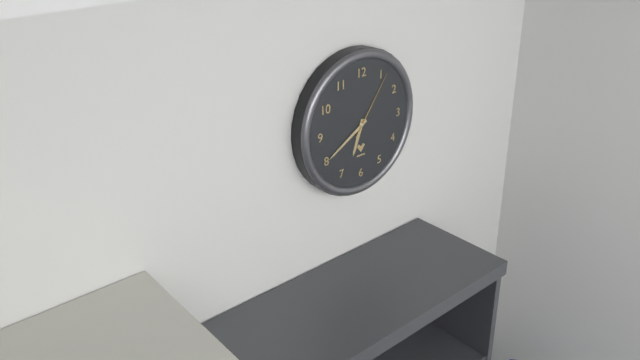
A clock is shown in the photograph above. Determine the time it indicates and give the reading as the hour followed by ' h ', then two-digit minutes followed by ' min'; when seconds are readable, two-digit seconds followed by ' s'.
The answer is 6 h 40 min 06 s
